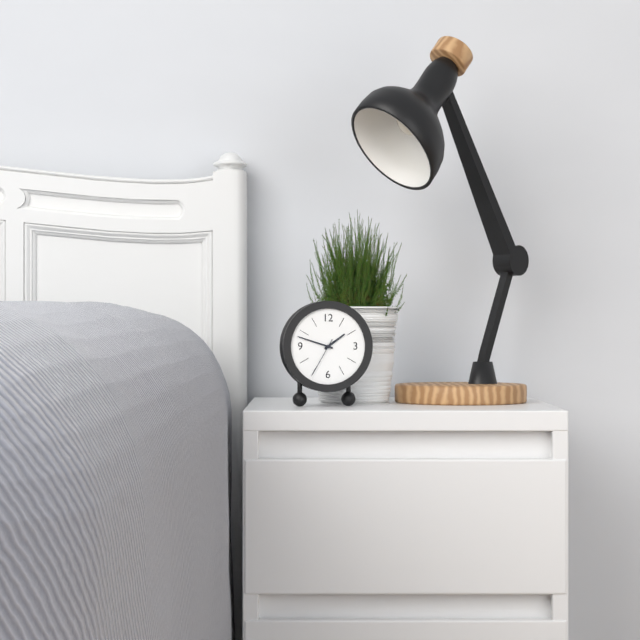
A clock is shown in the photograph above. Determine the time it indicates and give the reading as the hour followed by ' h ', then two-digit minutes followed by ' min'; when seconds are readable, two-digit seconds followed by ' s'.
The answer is 1 h 48 min
